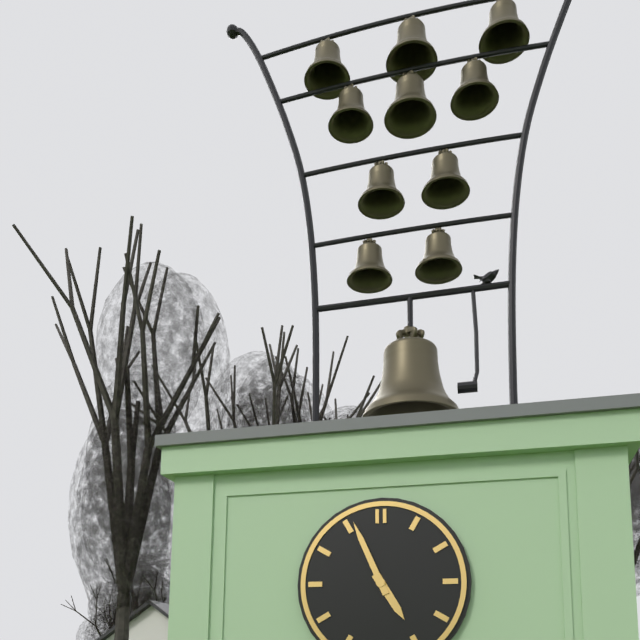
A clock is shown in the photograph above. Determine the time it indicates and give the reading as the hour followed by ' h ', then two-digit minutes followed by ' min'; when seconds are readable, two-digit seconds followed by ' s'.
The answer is 4 h 56 min
